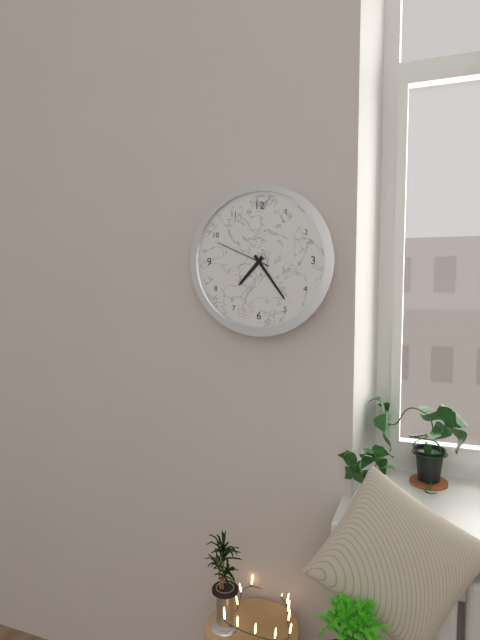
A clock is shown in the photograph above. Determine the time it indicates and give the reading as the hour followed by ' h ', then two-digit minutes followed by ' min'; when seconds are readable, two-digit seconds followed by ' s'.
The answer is 7 h 24 min 49 s
